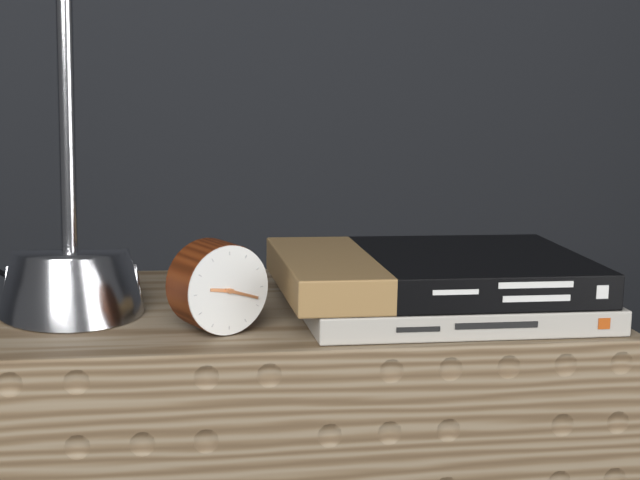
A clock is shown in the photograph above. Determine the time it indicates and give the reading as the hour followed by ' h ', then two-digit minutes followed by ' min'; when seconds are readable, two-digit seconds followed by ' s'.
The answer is 9 h 18 min
